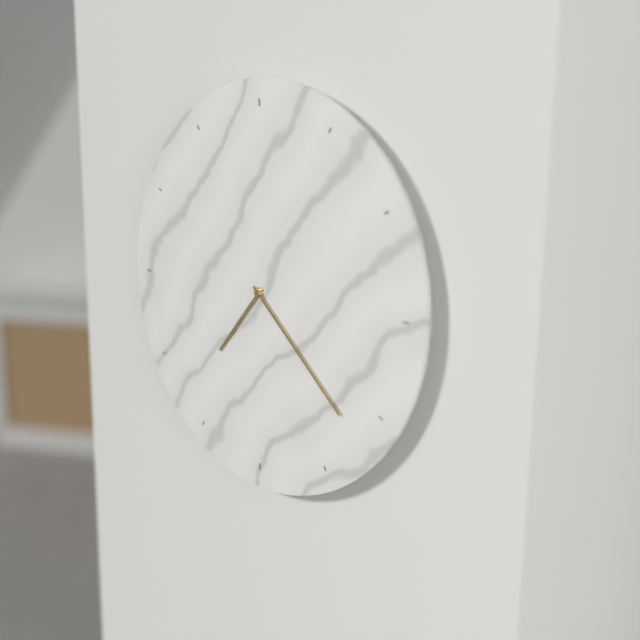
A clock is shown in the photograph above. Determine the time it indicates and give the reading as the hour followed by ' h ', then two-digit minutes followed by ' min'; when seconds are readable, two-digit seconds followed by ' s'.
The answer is 7 h 22 min
